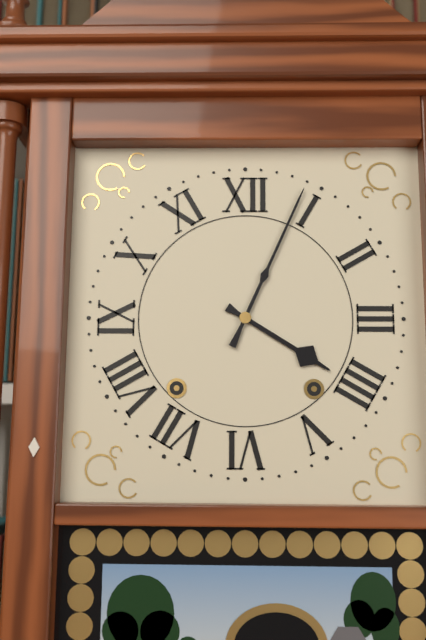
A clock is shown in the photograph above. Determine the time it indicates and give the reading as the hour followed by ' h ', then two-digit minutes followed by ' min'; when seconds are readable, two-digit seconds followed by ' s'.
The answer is 4 h 04 min
